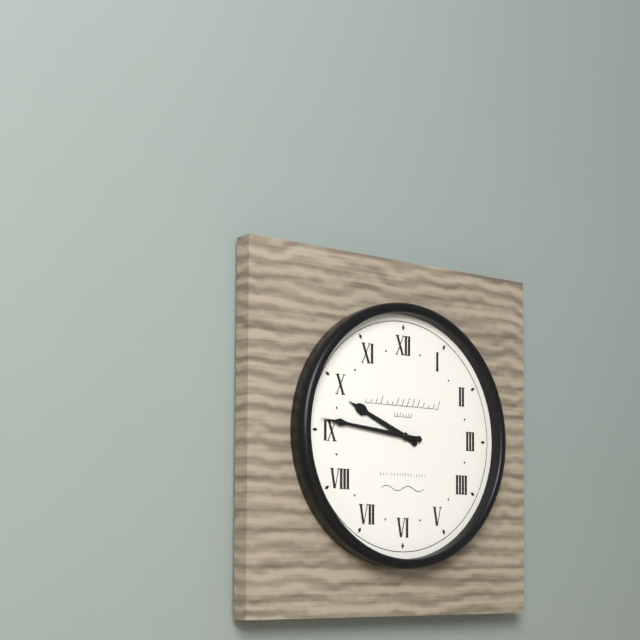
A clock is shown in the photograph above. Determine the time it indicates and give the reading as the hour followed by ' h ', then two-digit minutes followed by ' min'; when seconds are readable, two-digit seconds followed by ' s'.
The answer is 9 h 46 min
